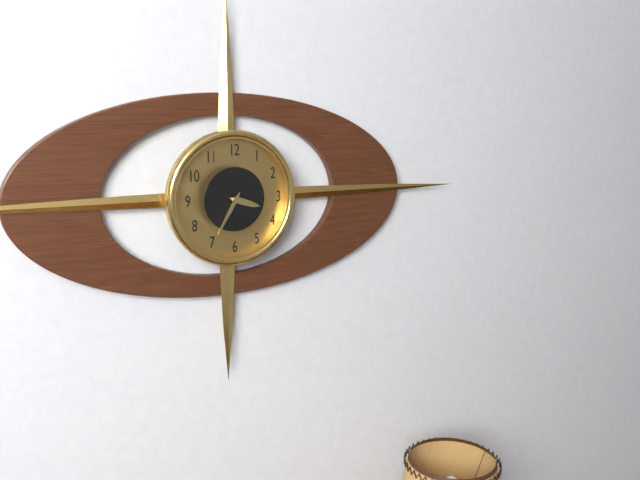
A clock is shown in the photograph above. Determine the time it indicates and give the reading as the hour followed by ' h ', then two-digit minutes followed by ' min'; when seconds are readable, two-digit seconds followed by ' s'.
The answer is 3 h 35 min
